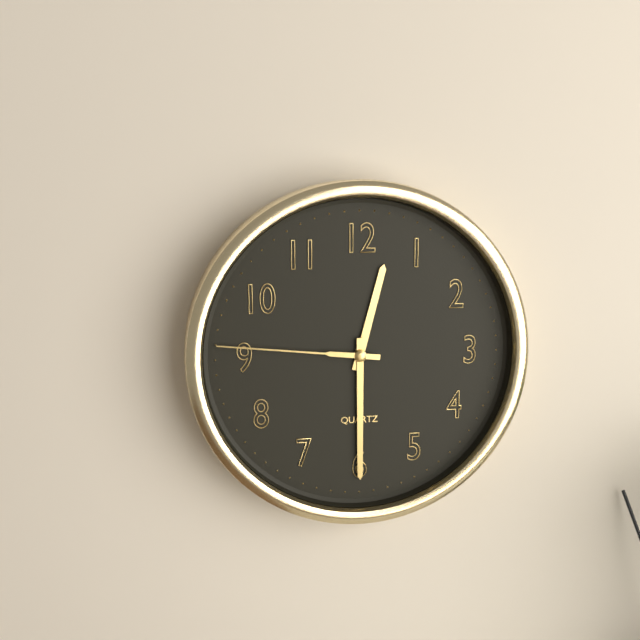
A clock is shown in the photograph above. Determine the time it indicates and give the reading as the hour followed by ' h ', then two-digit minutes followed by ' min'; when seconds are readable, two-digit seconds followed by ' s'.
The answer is 12 h 30 min 46 s
